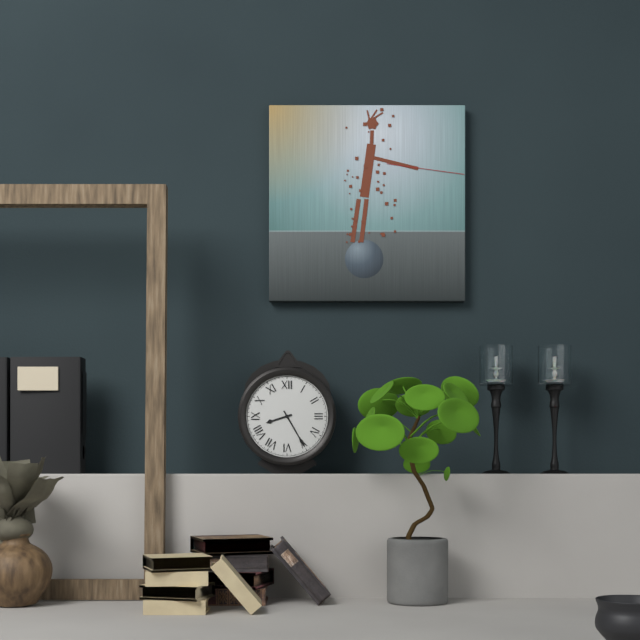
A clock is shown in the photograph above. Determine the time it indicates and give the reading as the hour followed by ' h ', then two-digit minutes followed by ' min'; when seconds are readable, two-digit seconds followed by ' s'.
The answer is 8 h 25 min
